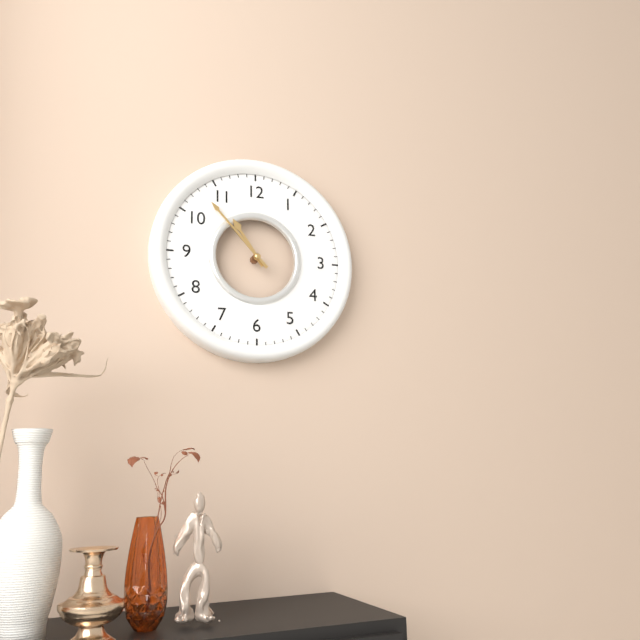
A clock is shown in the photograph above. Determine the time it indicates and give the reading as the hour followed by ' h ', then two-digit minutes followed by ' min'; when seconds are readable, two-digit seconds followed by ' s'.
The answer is 10 h 53 min
